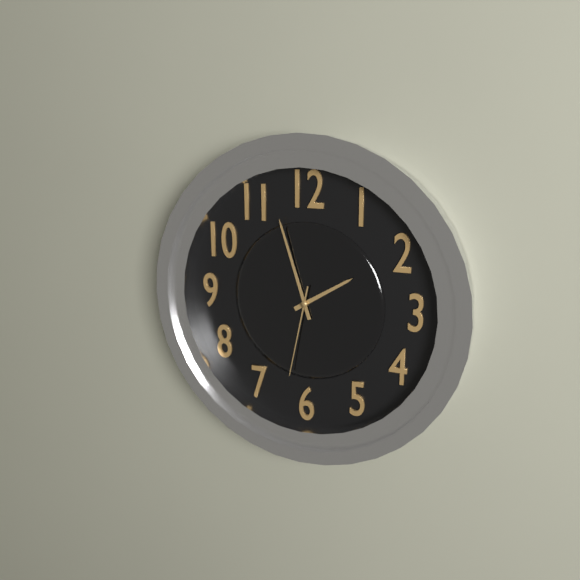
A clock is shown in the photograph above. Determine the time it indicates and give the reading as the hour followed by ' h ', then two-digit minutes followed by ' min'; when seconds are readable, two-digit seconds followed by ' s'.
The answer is 1 h 57 min 32 s
